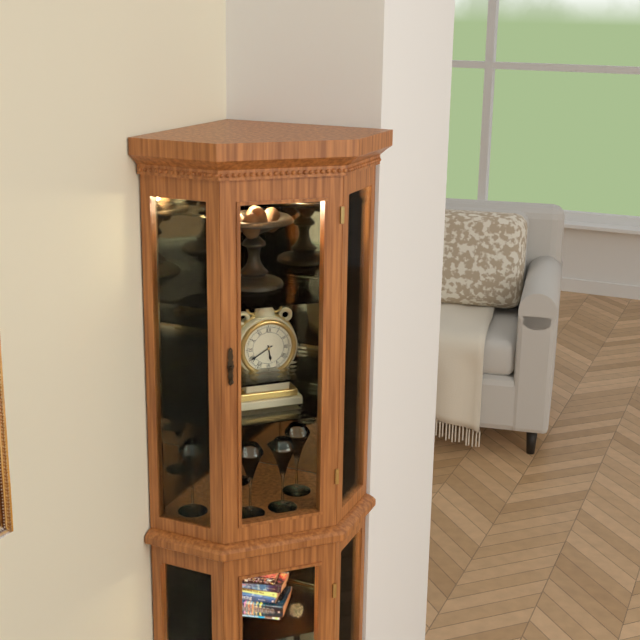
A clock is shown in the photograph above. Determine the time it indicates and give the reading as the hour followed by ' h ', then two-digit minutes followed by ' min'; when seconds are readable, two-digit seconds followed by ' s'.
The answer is 5 h 40 min
